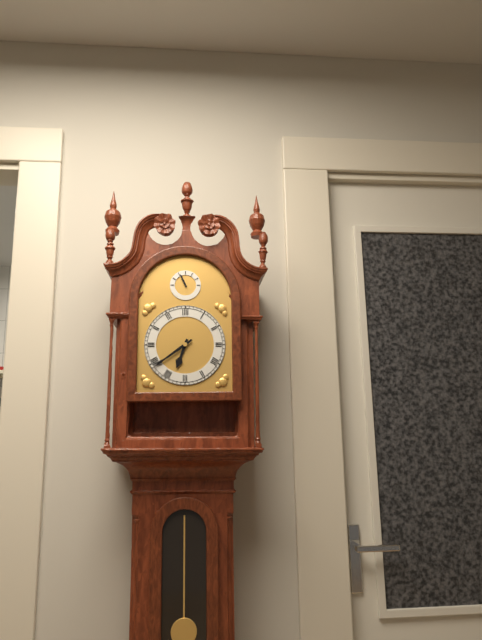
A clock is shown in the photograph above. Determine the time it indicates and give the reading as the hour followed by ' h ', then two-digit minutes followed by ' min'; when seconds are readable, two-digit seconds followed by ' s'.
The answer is 6 h 39 min
